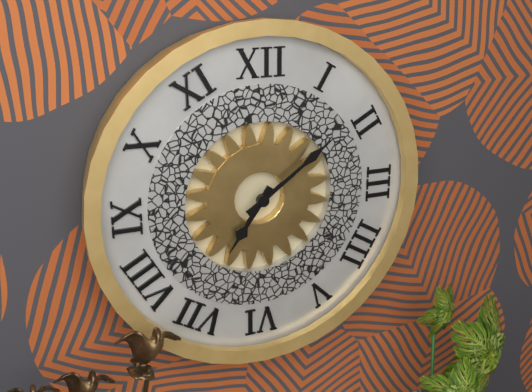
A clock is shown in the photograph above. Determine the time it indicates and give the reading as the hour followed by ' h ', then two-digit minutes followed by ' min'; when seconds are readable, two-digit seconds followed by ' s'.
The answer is 7 h 09 min
